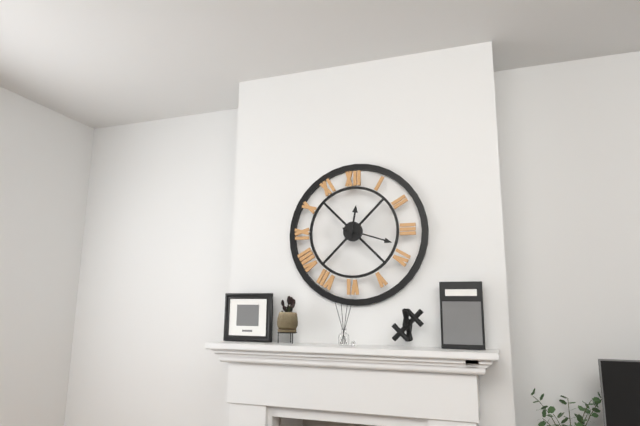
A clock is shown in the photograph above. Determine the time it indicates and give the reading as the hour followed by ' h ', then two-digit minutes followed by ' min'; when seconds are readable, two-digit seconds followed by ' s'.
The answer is 12 h 18 min
